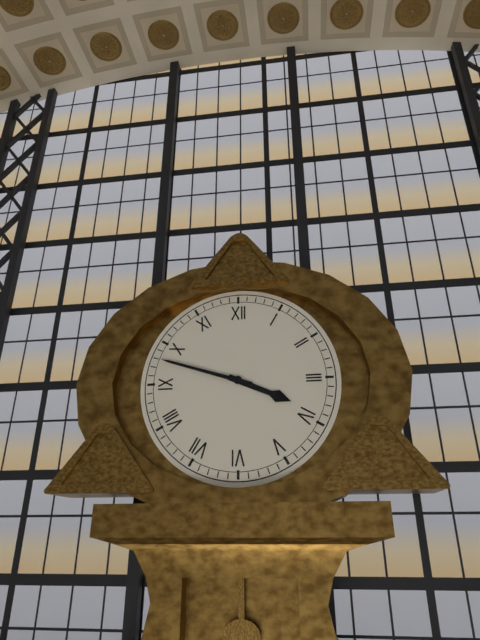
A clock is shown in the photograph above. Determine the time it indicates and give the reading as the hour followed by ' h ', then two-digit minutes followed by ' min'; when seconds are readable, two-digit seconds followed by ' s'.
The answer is 3 h 48 min
